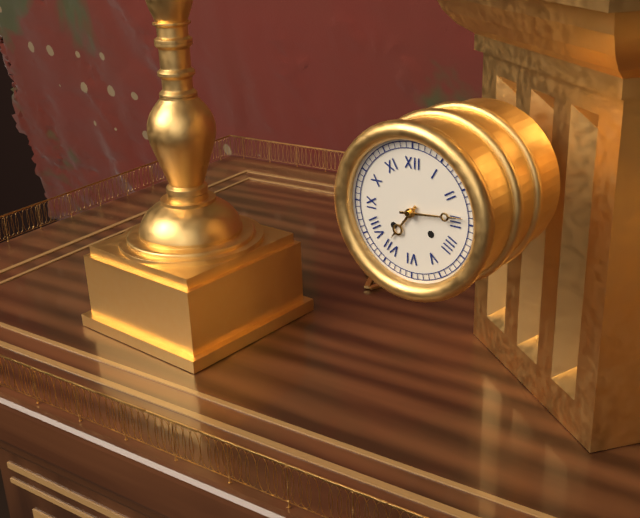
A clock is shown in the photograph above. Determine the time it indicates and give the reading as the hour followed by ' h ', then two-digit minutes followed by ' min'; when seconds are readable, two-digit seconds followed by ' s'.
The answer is 7 h 14 min
